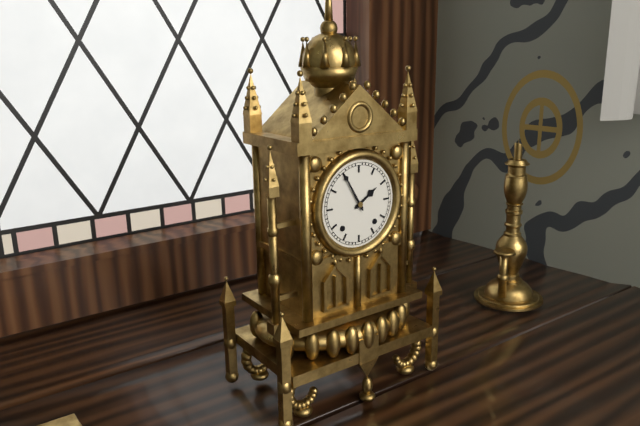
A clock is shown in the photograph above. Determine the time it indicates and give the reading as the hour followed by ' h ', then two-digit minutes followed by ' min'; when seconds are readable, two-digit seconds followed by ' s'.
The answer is 1 h 55 min
